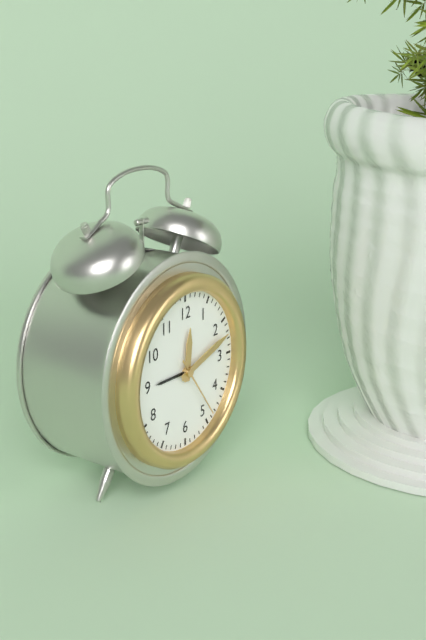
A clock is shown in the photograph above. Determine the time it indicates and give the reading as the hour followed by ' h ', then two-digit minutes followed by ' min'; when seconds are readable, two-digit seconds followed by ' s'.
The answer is 12 h 12 min 24 s
